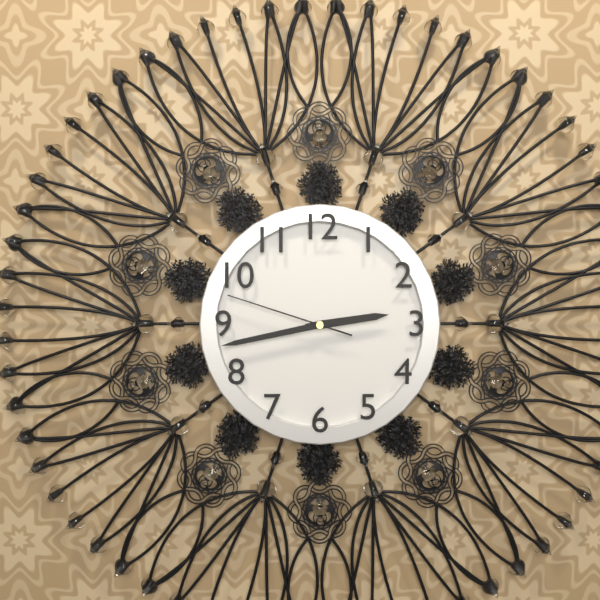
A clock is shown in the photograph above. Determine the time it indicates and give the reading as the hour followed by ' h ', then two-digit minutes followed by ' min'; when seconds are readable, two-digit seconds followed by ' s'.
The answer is 2 h 43 min 48 s
